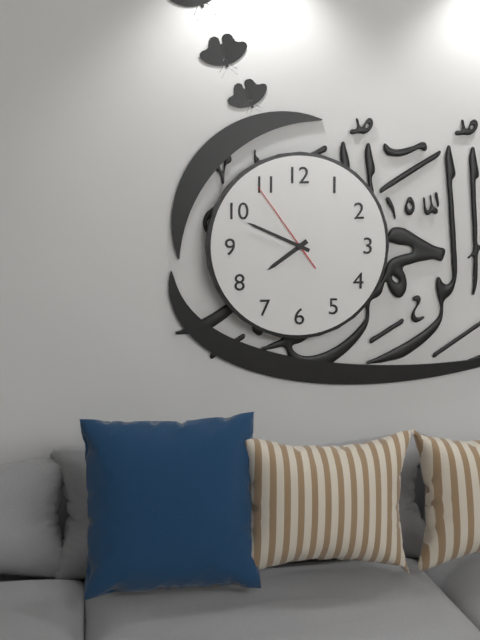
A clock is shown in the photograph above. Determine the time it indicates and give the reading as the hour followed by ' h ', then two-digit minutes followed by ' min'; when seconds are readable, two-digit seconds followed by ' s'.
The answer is 7 h 49 min 54 s
